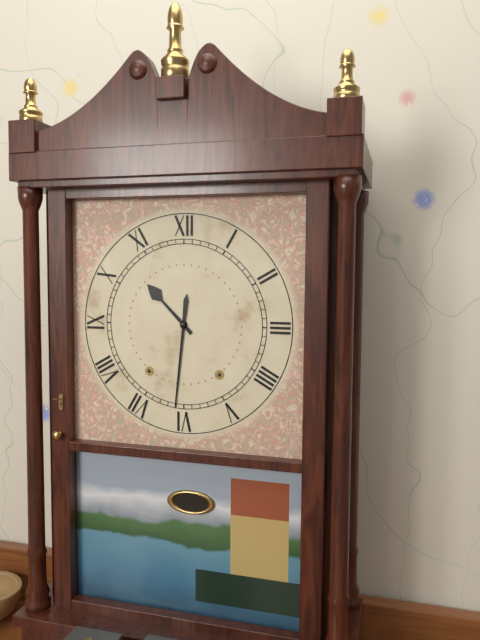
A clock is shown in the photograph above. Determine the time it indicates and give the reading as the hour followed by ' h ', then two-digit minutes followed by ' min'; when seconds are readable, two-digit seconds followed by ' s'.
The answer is 10 h 31 min
